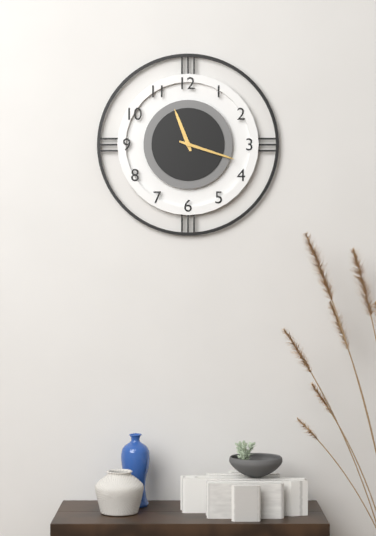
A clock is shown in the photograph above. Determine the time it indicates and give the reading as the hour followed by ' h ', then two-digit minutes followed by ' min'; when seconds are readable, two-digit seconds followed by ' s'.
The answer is 11 h 18 min
